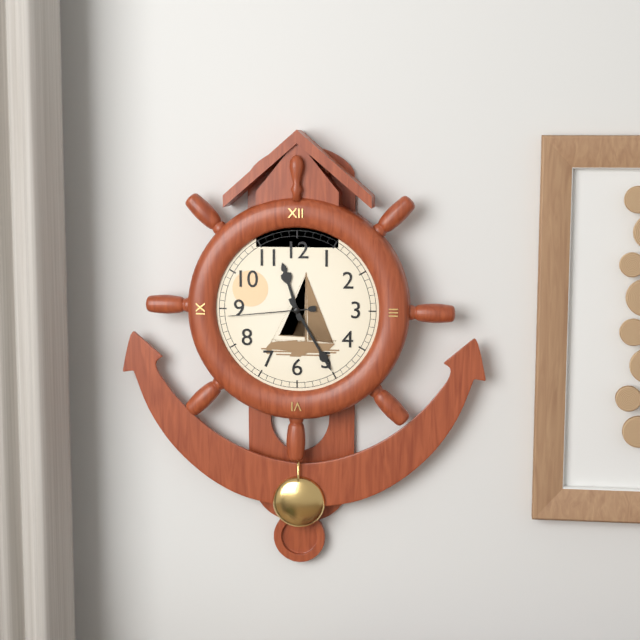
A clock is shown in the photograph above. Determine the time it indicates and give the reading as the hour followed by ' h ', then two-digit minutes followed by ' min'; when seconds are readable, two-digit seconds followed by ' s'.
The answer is 11 h 25 min 44 s
